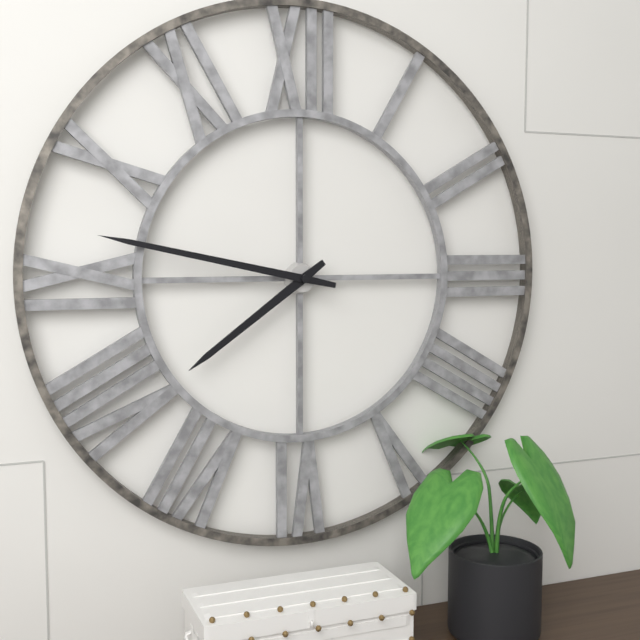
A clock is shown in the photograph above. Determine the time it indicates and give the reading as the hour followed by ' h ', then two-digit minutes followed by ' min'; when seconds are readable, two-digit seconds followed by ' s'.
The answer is 7 h 47 min
